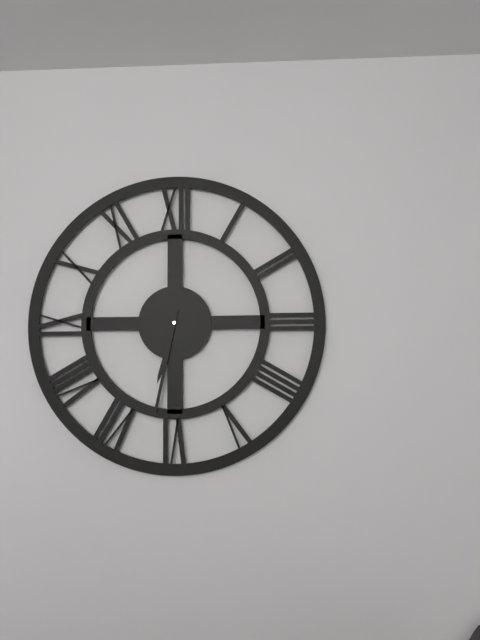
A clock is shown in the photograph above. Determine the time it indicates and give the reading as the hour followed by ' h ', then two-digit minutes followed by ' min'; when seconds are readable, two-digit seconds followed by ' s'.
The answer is 6 h 32 min
